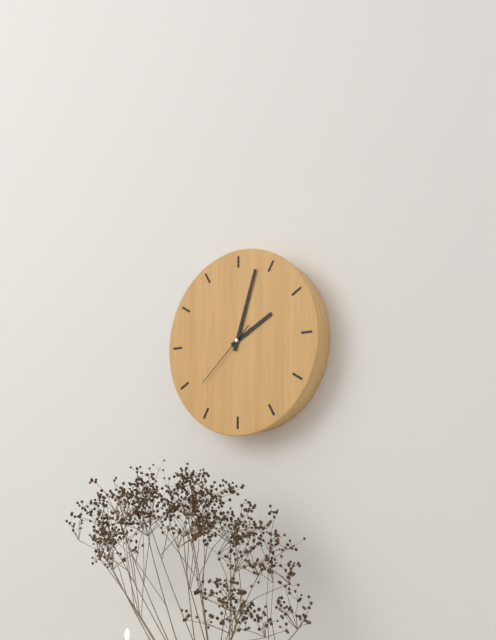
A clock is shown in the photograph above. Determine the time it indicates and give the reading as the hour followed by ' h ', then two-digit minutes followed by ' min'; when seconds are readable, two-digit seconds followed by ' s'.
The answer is 2 h 03 min 38 s
